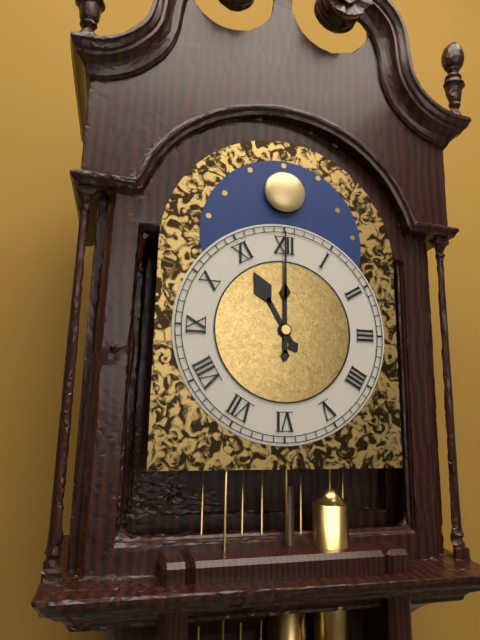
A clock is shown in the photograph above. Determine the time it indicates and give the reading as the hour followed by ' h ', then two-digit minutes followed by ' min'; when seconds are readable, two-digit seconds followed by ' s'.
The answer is 11 h 00 min
